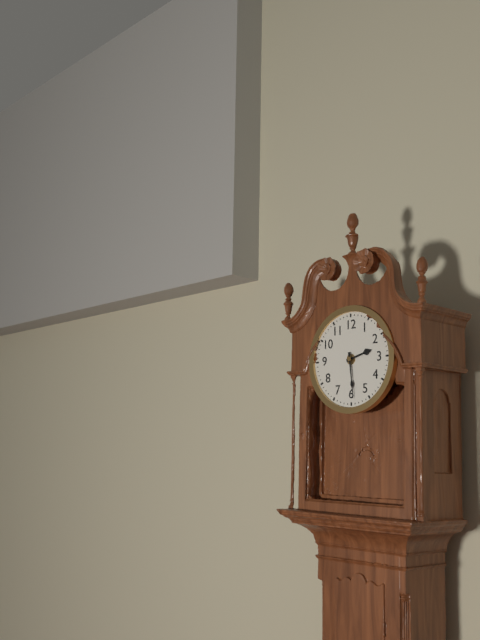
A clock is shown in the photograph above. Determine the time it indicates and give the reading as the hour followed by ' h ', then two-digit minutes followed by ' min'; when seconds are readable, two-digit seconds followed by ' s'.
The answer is 2 h 29 min
